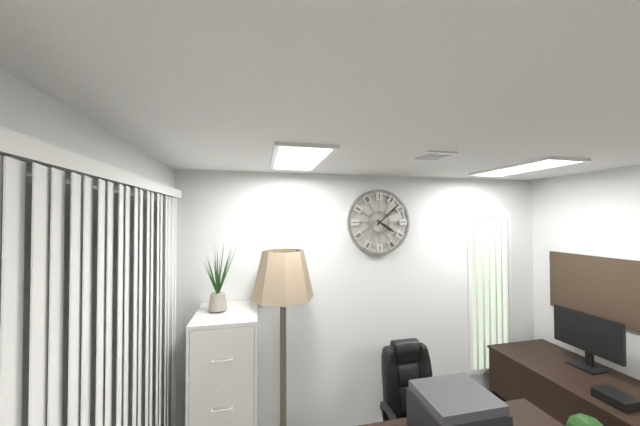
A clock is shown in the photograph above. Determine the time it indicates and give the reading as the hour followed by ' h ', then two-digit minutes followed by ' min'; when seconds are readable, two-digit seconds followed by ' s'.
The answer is 4 h 08 min
